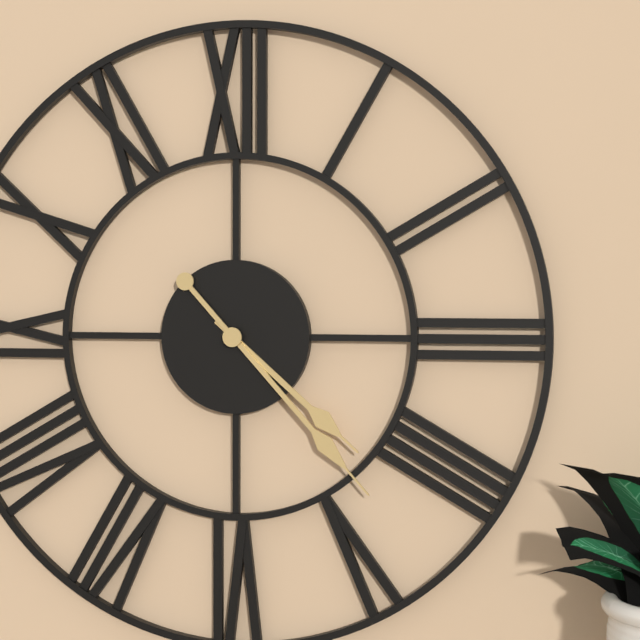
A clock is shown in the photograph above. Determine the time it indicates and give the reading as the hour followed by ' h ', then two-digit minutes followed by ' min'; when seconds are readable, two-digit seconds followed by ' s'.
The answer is 4 h 23 min
